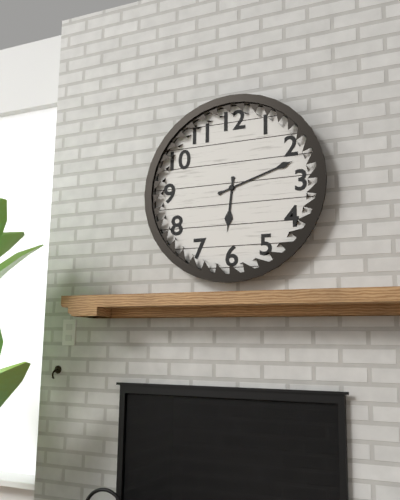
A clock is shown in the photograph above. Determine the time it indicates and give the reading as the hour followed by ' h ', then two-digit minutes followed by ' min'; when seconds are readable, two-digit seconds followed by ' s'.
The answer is 6 h 12 min
